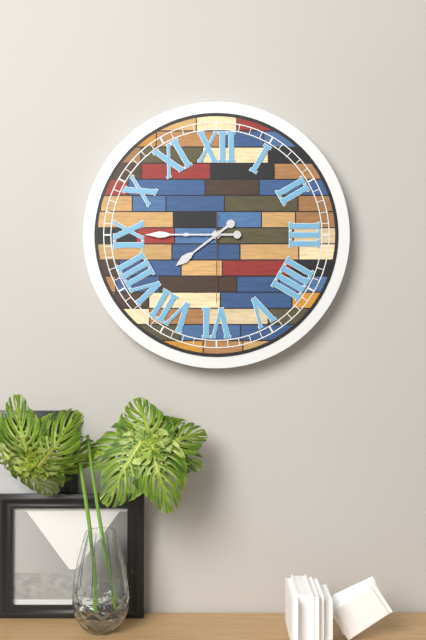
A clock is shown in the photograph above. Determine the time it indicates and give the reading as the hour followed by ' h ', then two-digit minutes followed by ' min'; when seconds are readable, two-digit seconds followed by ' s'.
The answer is 7 h 45 min 30 s
